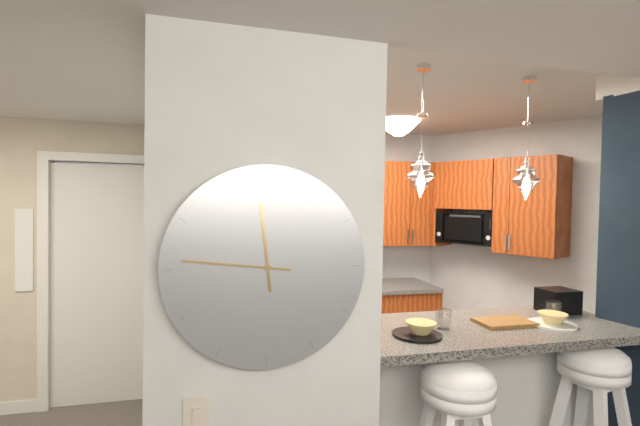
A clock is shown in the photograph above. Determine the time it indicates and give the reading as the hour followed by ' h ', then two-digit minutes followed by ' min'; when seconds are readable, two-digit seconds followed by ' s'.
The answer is 11 h 46 min
